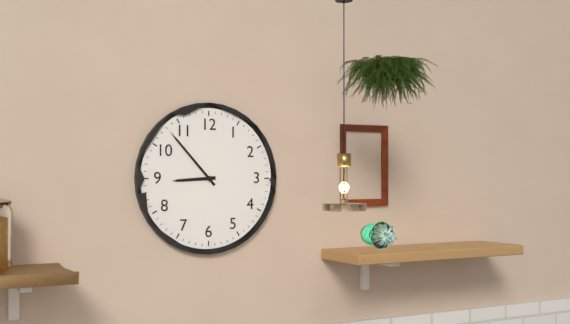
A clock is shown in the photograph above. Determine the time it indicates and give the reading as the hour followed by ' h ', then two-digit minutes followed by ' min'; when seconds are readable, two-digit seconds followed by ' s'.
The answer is 8 h 53 min
